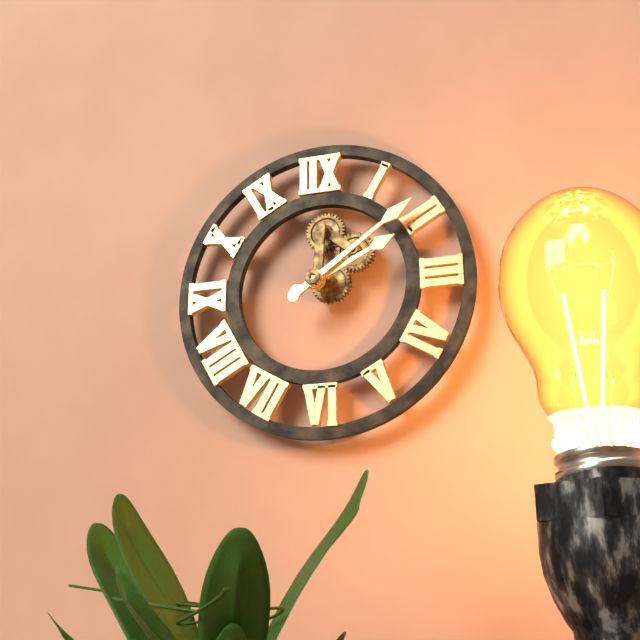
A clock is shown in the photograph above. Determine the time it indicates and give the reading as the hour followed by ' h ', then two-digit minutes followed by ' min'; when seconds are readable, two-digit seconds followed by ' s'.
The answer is 2 h 09 min
